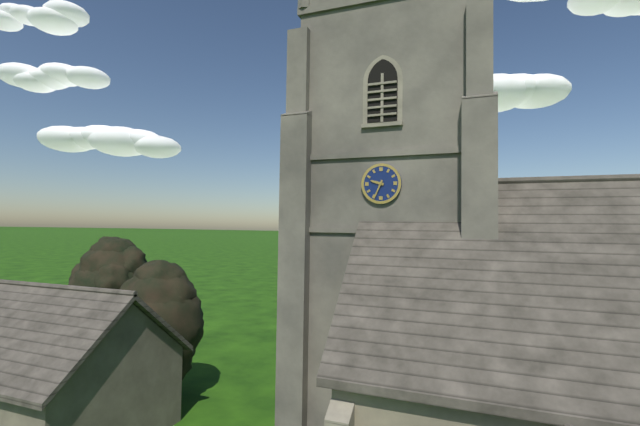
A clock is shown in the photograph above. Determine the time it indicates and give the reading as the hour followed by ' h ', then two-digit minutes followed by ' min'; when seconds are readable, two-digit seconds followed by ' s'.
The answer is 9 h 34 min
